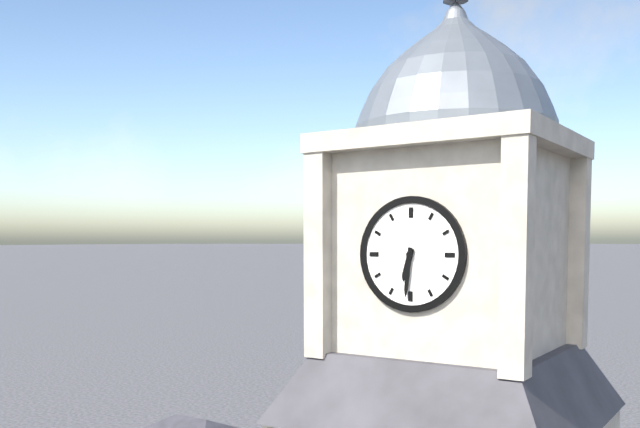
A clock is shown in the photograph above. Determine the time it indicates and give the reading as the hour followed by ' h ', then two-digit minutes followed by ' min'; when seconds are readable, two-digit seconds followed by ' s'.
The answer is 6 h 31 min
